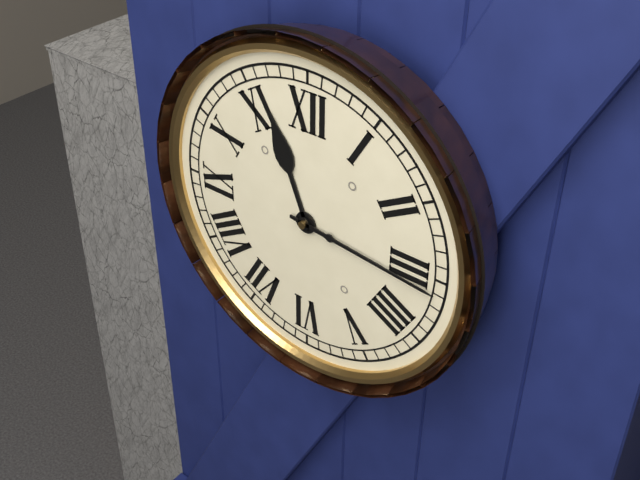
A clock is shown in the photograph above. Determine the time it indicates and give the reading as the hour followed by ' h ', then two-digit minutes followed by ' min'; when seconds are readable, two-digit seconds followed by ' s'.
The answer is 11 h 16 min
